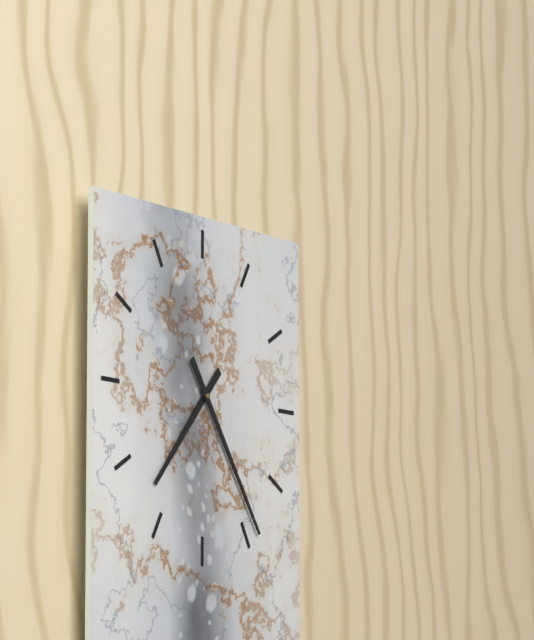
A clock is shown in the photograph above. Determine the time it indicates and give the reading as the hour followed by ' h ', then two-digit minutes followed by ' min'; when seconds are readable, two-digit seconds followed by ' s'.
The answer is 7 h 24 min
